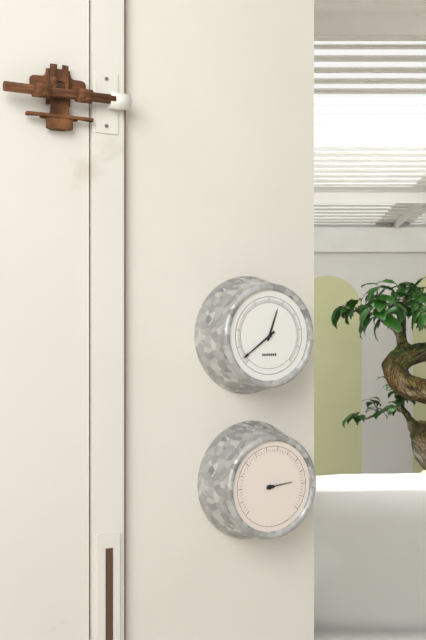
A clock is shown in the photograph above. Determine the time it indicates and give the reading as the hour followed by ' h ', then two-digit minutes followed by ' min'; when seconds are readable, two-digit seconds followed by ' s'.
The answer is 12 h 39 min
